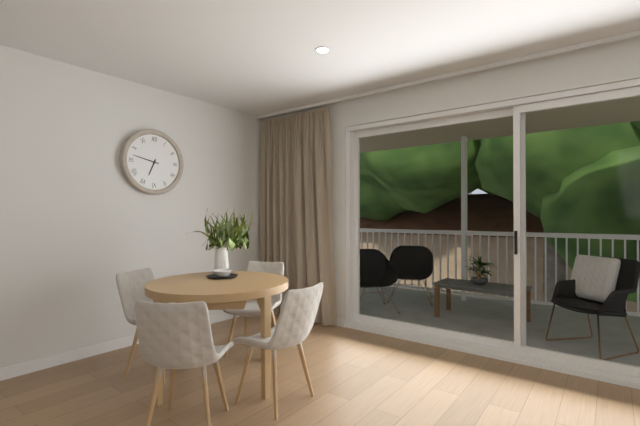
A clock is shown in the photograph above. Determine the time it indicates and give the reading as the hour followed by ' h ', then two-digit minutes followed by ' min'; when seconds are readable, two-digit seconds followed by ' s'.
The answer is 6 h 47 min
